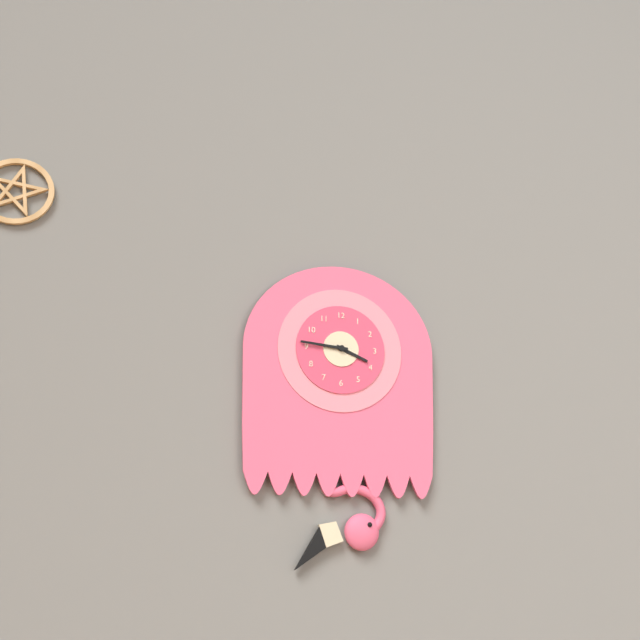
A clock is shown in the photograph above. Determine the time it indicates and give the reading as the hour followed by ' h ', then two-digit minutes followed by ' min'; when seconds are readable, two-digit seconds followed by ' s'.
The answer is 3 h 46 min
